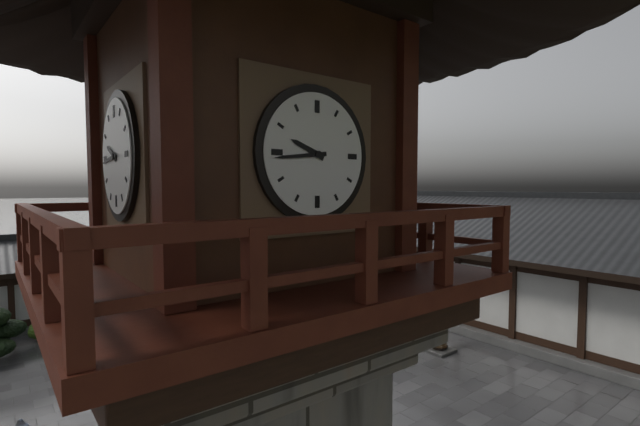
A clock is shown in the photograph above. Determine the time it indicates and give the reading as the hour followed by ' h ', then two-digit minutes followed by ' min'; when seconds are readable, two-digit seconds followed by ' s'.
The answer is 9 h 44 min
